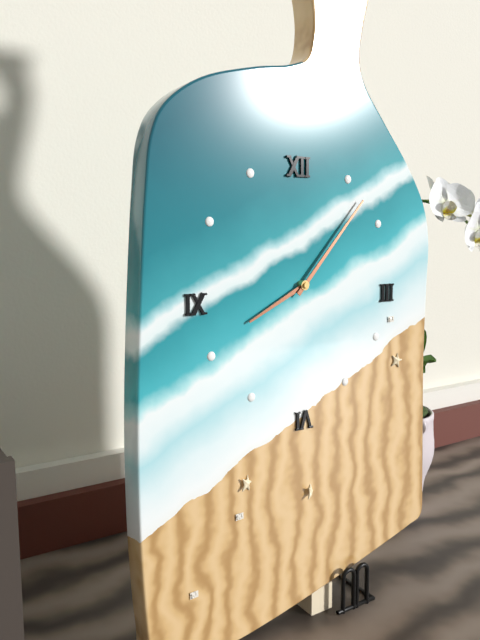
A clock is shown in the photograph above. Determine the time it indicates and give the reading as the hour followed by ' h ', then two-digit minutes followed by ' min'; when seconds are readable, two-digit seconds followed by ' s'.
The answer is 8 h 07 min
